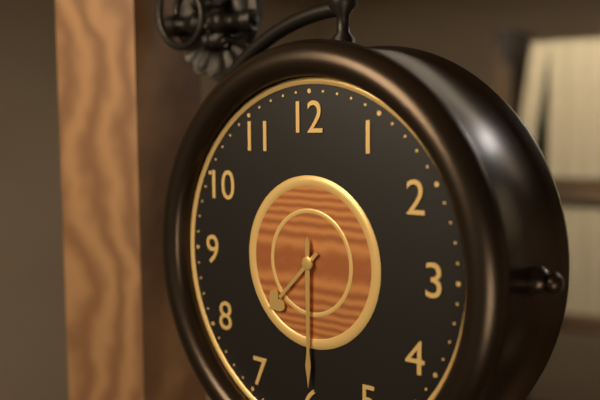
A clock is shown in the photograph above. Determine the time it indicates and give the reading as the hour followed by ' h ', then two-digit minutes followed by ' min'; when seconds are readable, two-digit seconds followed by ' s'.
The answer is 7 h 30 min
